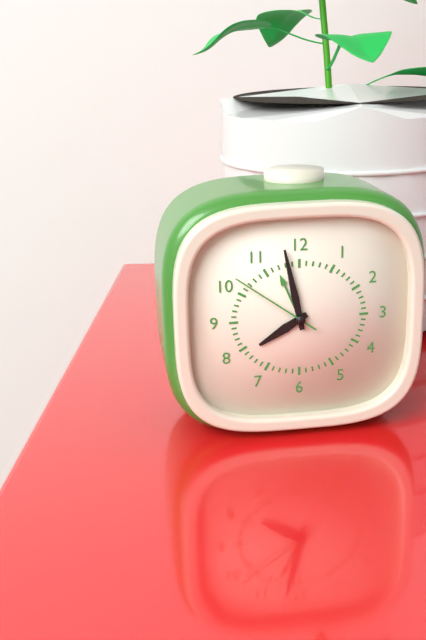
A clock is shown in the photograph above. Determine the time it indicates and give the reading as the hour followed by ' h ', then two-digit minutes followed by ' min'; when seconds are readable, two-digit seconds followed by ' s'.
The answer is 7 h 58 min 51 s
